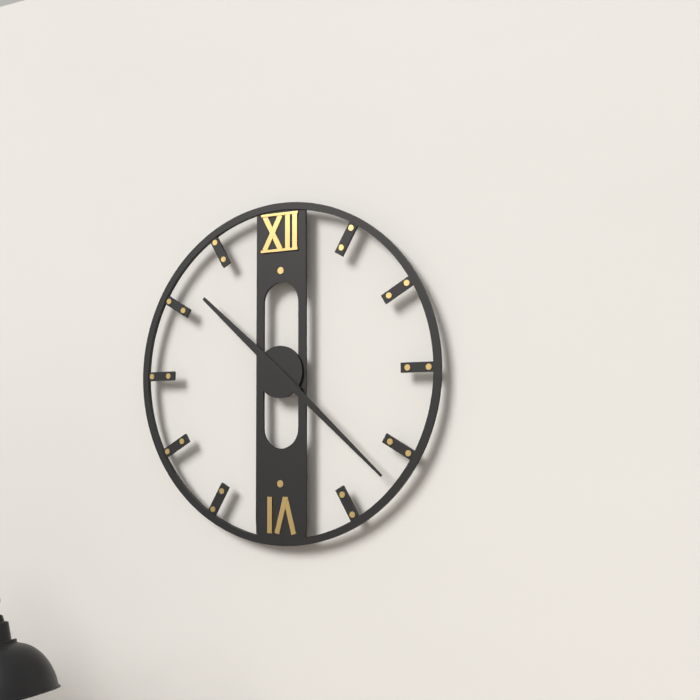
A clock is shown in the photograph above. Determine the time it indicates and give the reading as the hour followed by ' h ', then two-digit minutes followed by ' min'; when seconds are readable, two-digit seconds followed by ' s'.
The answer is 10 h 22 min
